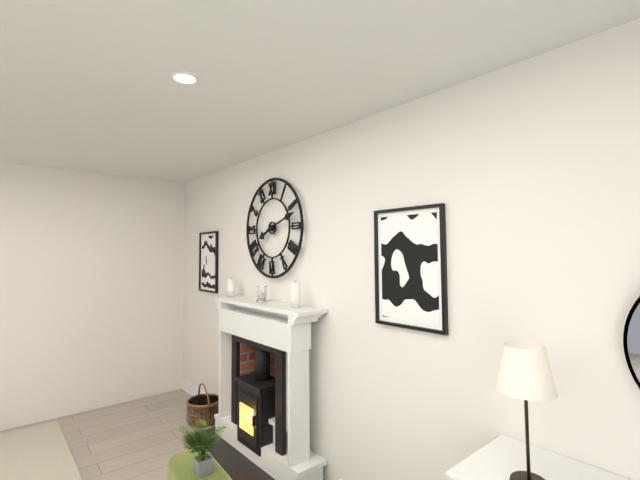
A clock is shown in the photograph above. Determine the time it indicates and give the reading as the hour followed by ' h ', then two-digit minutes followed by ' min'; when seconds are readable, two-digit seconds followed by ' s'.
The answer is 8 h 12 min
